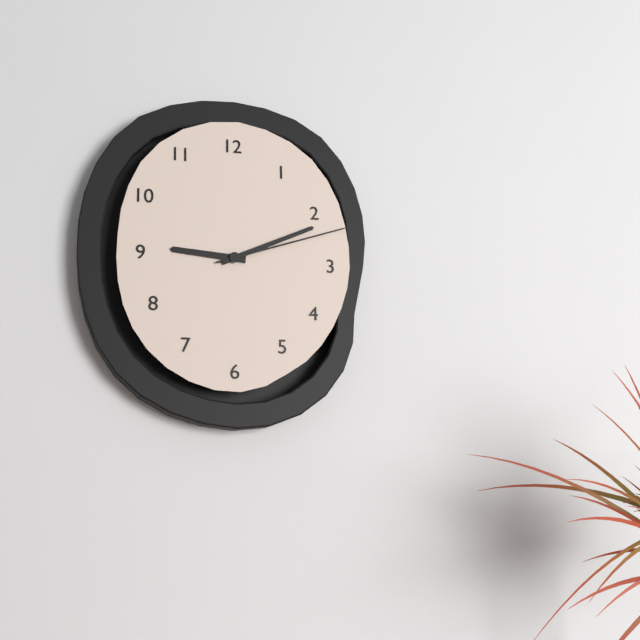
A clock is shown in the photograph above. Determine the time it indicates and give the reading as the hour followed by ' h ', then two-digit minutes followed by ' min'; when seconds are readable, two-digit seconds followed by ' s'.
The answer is 9 h 11 min 12 s
